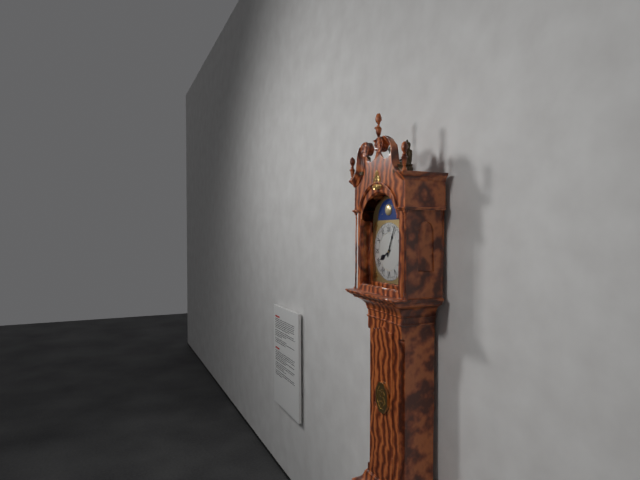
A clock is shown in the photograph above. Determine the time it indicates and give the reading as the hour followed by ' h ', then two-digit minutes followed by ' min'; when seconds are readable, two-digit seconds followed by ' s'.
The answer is 8 h 04 min
